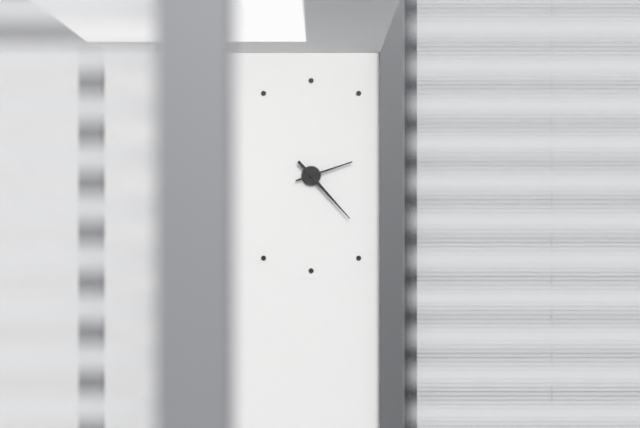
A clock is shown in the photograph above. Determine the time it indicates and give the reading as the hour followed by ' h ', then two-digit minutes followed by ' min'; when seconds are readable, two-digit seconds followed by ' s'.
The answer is 2 h 23 min
